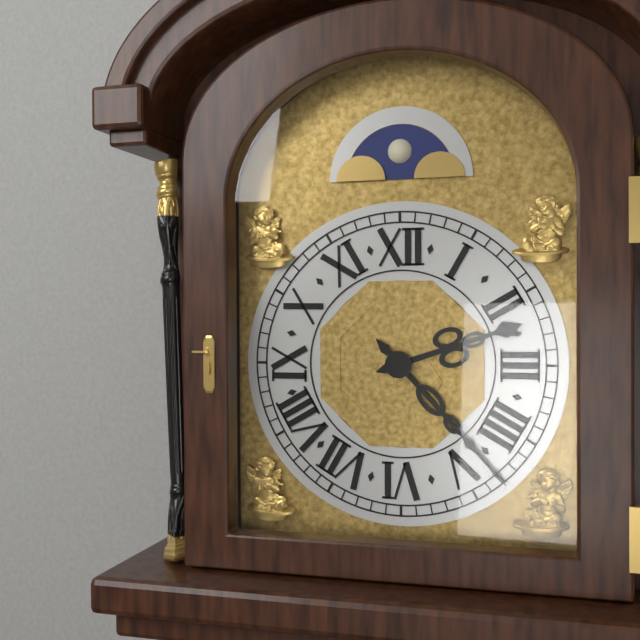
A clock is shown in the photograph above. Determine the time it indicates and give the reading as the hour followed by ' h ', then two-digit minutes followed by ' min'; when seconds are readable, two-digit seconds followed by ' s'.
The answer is 2 h 23 min
